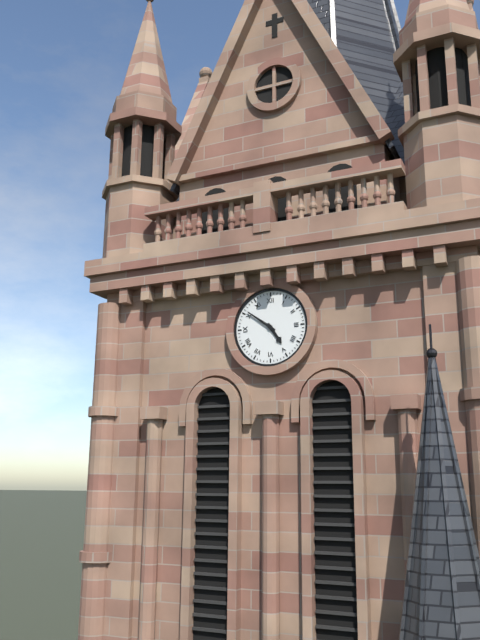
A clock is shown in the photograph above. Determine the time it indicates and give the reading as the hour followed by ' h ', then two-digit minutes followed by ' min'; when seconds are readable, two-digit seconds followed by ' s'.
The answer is 4 h 51 min
